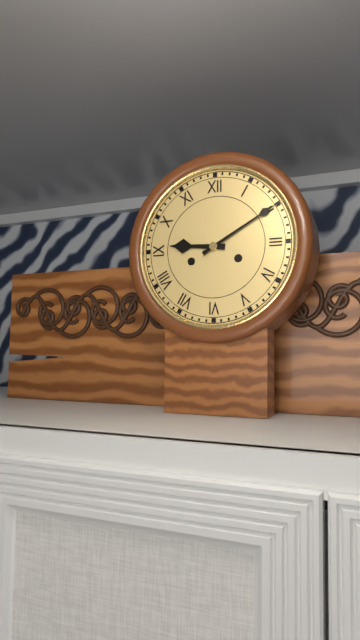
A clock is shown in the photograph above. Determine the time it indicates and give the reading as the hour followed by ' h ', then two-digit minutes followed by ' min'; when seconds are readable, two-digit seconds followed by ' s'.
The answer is 9 h 10 min
